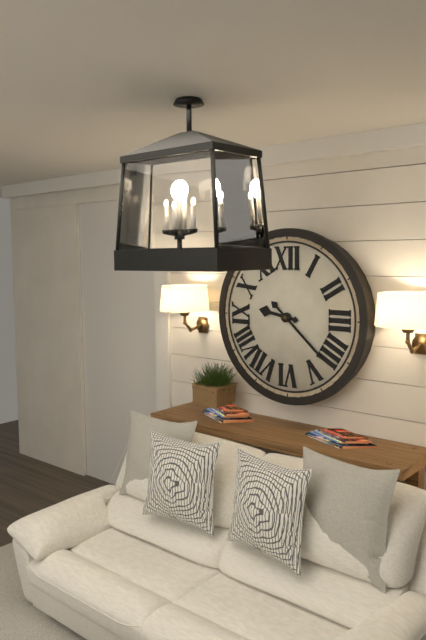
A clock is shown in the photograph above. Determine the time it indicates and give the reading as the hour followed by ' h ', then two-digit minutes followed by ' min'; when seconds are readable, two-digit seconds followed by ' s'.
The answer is 9 h 22 min
